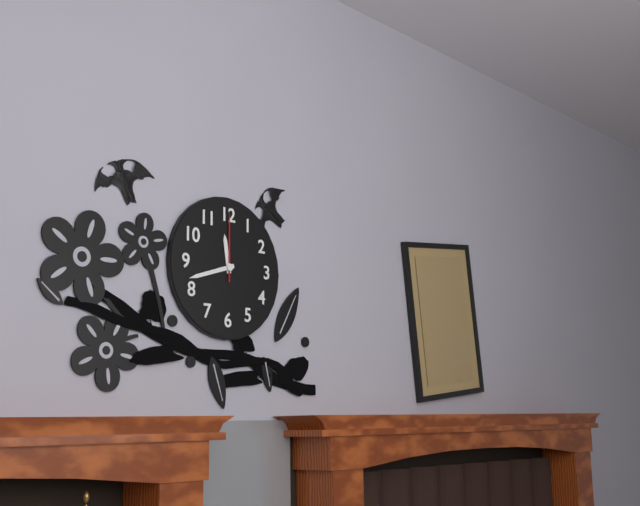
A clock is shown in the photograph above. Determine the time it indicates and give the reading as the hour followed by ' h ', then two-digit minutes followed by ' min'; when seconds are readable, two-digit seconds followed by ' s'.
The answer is 11 h 42 min 00 s
